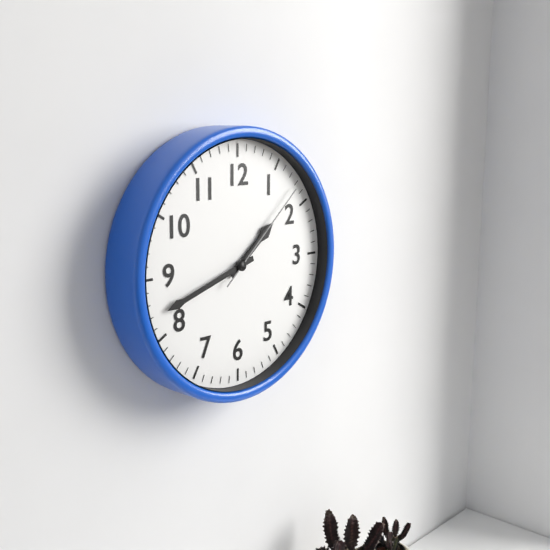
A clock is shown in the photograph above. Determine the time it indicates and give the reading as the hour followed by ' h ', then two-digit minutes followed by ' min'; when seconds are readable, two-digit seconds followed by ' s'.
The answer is 1 h 42 min 08 s
